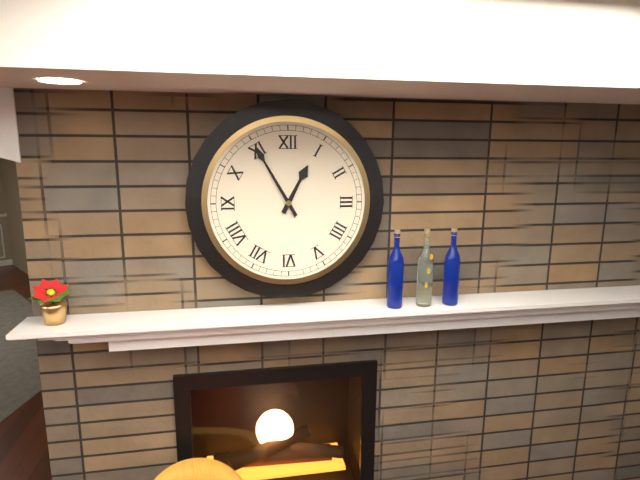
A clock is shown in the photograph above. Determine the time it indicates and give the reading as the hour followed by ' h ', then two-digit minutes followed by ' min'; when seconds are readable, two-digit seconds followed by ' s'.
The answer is 12 h 55 min
